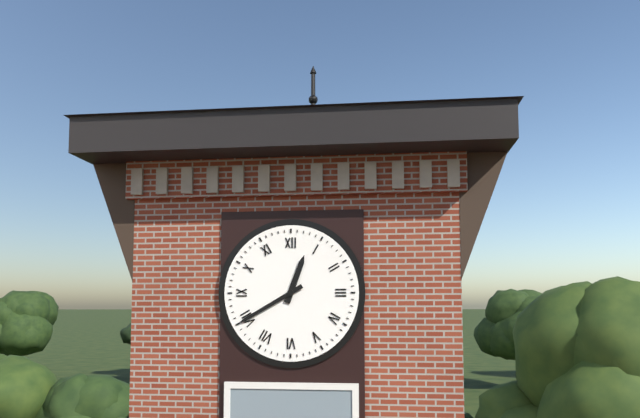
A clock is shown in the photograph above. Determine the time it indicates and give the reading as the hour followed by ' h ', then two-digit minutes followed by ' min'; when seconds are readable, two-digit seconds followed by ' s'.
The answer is 12 h 40 min
